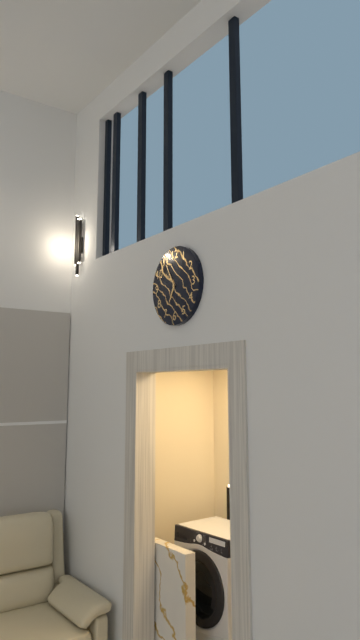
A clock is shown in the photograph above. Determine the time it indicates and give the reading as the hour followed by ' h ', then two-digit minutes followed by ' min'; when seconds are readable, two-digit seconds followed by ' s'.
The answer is 6 h 55 min
